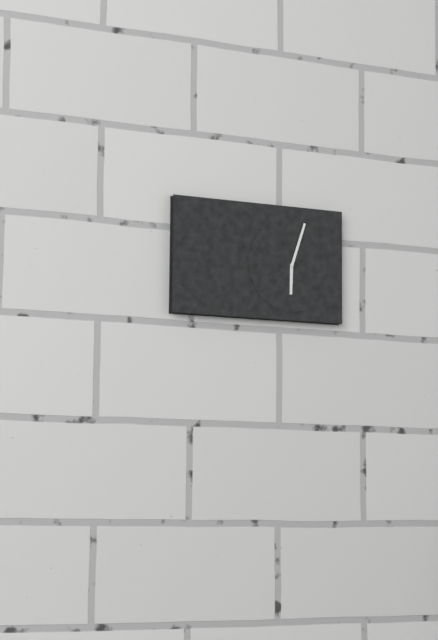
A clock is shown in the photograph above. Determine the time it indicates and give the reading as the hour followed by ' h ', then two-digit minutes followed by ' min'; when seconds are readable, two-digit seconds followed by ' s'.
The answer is 6 h 03 min
